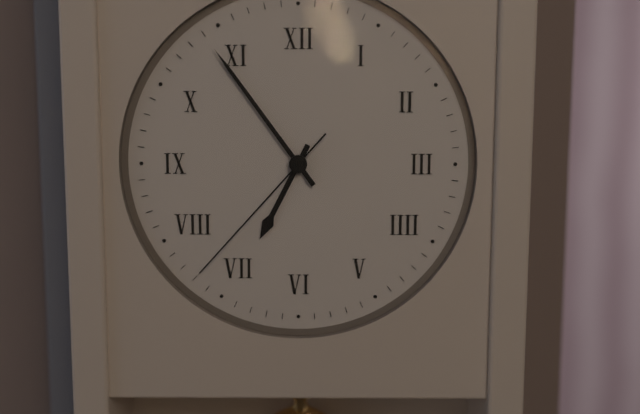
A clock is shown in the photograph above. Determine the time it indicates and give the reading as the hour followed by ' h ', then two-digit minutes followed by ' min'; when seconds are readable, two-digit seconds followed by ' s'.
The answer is 6 h 54 min 37 s
